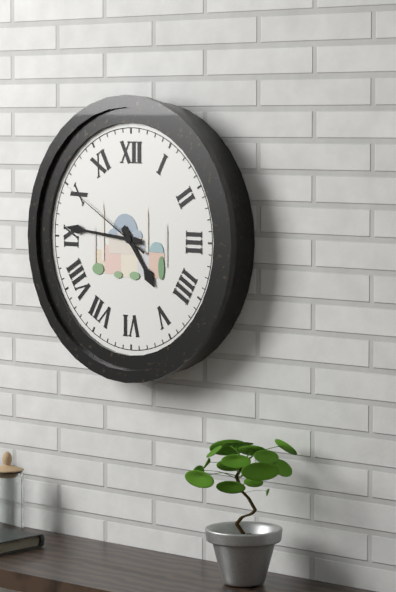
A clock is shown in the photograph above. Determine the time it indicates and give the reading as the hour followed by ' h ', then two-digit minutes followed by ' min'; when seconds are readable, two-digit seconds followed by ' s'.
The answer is 4 h 46 min 50 s
